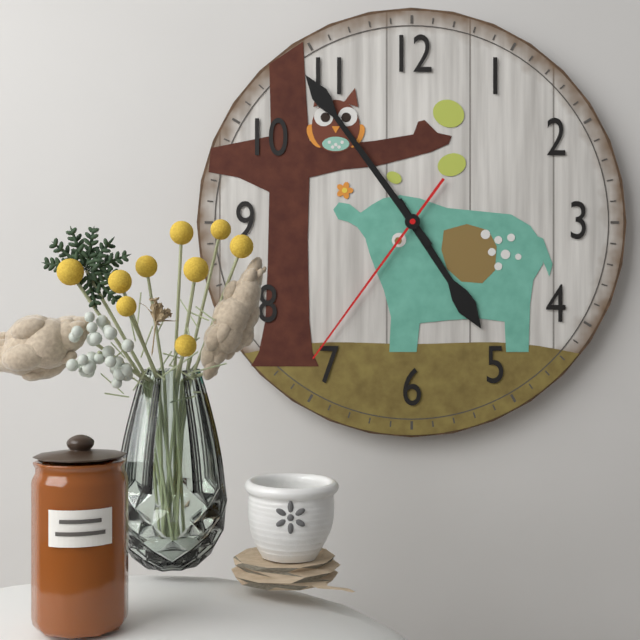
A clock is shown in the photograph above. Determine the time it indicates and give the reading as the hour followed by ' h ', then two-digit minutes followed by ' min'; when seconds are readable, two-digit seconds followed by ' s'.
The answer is 4 h 54 min 36 s
